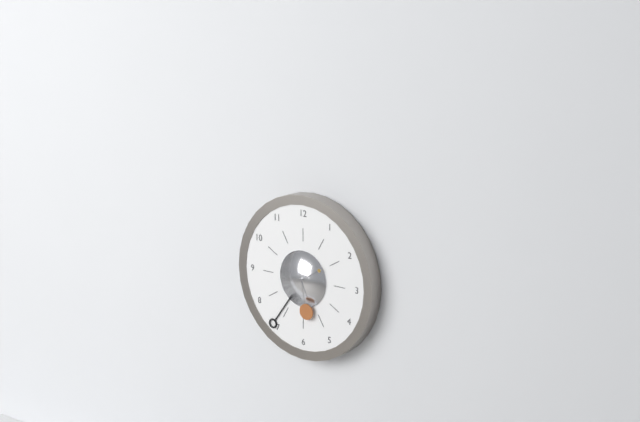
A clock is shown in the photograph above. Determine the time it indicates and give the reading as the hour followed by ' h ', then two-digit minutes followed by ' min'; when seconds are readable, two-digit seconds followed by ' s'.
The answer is 5 h 36 min
